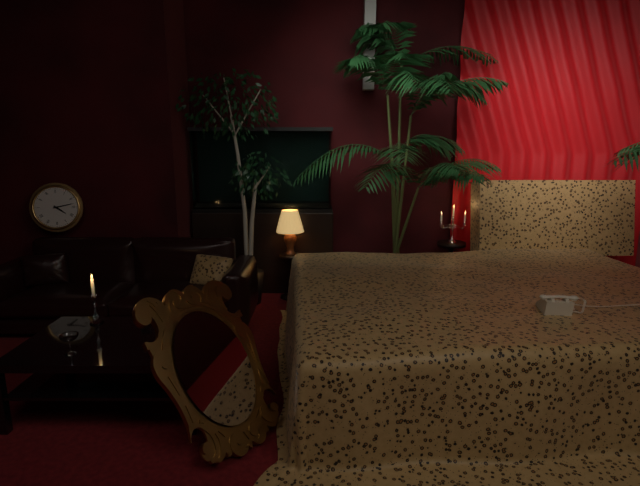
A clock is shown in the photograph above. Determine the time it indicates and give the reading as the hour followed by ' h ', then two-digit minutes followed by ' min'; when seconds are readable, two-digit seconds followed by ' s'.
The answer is 4 h 13 min
